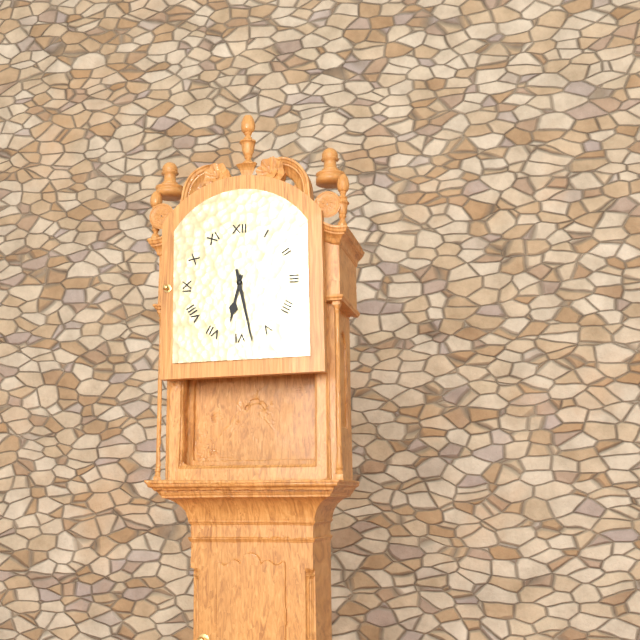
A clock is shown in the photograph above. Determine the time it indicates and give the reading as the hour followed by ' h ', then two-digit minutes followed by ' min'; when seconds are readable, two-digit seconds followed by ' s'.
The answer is 6 h 28 min
